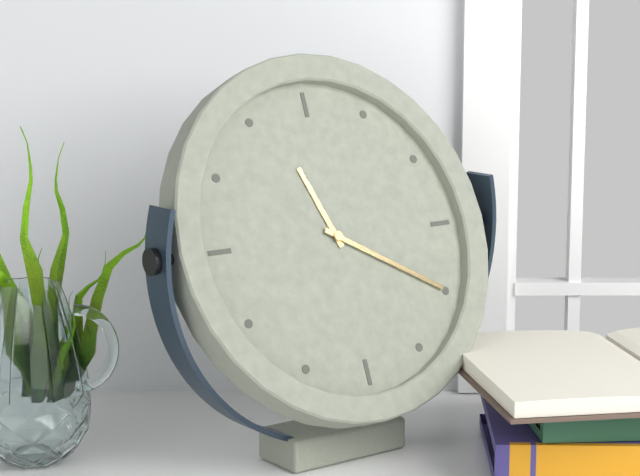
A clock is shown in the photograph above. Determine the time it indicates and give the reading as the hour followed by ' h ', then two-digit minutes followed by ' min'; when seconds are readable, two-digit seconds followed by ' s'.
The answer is 11 h 20 min
